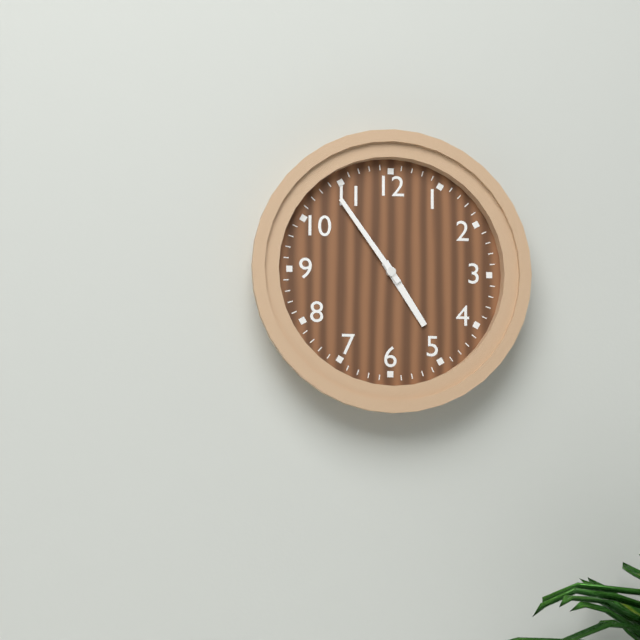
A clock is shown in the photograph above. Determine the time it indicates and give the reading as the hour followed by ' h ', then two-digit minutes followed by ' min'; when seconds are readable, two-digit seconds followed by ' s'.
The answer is 4 h 54 min
